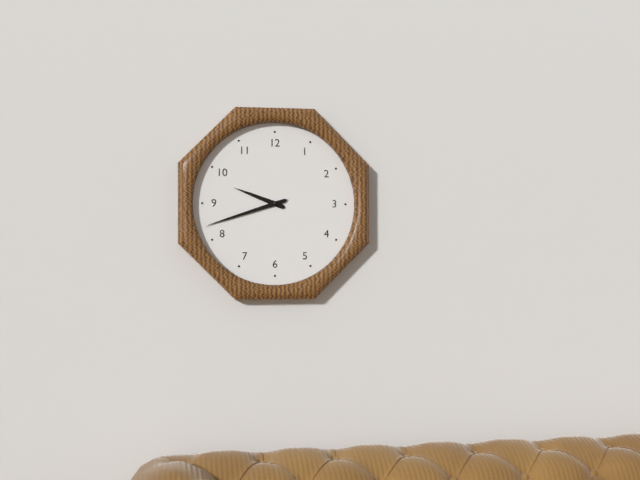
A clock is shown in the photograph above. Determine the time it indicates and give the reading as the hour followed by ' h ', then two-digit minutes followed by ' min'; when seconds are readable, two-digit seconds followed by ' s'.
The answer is 9 h 42 min
